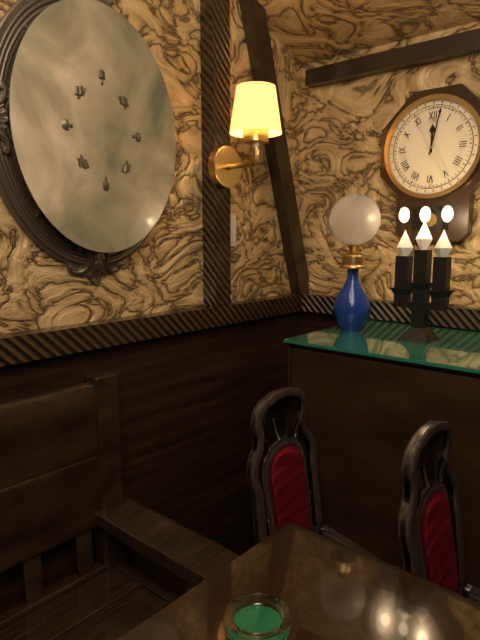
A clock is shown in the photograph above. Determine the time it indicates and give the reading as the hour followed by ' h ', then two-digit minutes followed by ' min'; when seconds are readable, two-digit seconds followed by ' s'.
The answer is 12 h 02 min
